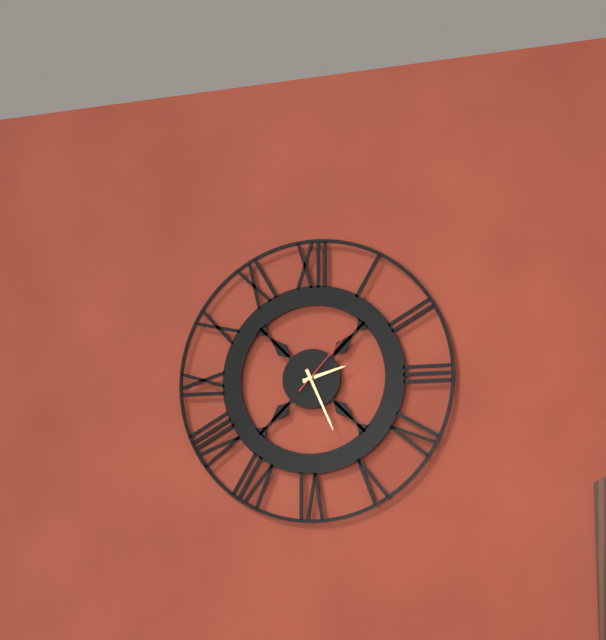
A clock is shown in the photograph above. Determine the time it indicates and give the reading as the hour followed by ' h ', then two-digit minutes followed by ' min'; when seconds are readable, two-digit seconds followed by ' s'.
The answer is 2 h 26 min 07 s
